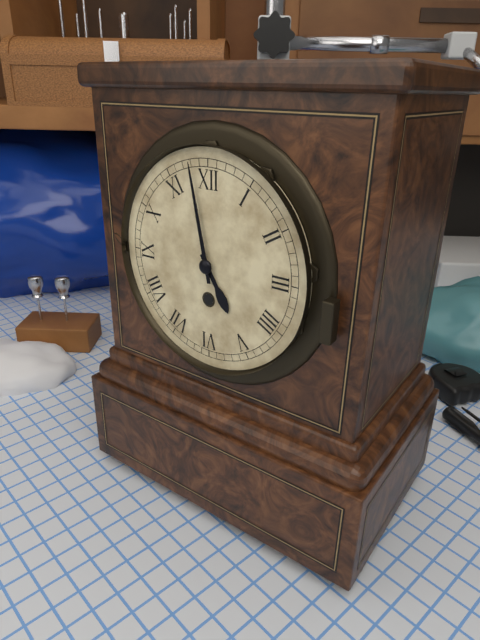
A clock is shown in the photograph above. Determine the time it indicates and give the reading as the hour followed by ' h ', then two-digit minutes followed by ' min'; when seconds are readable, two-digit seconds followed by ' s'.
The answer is 4 h 58 min
